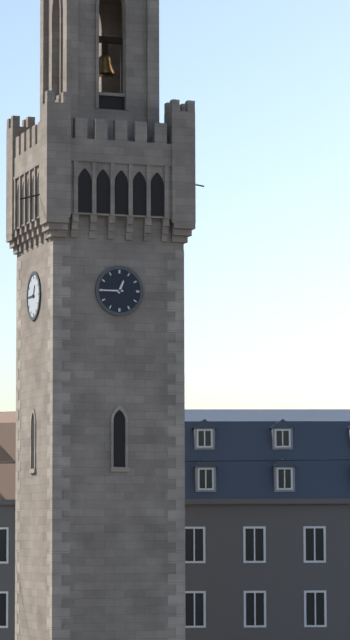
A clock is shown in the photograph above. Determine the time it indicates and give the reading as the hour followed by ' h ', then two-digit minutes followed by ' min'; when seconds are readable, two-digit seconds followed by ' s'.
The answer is 12 h 45 min
